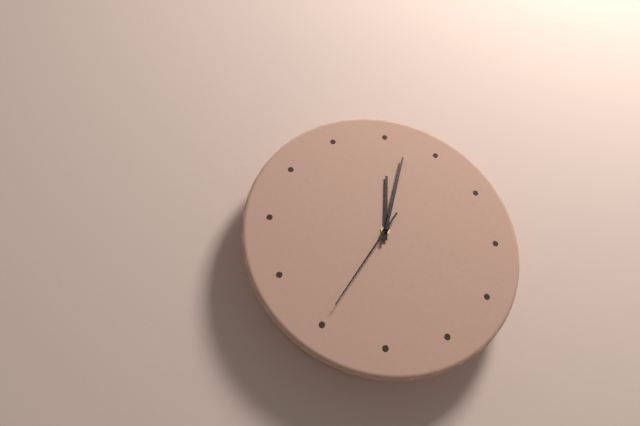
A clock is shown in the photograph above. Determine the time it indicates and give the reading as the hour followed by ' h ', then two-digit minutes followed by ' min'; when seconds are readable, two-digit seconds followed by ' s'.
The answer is 12 h 02 min 35 s
